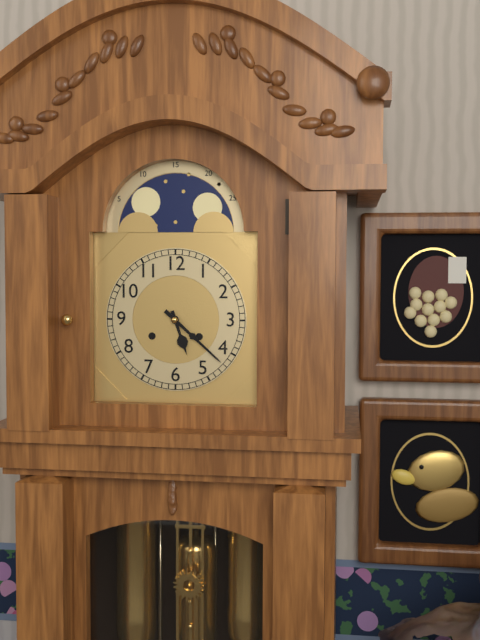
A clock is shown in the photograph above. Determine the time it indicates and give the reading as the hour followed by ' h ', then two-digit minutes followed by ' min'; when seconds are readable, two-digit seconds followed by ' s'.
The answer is 5 h 22 min
